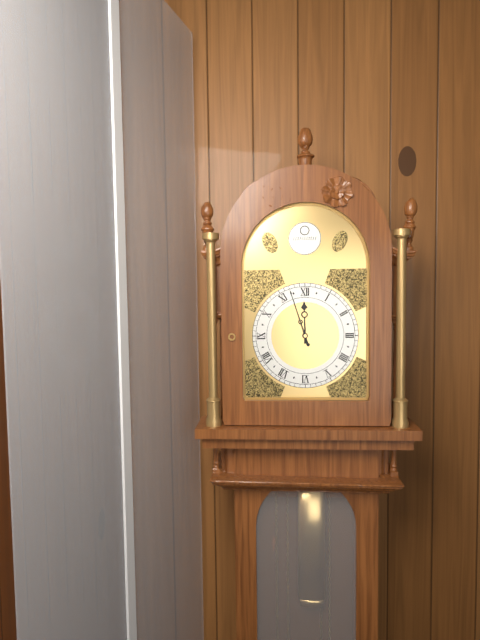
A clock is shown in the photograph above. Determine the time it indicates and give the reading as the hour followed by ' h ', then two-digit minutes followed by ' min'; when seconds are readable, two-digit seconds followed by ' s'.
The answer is 11 h 57 min
